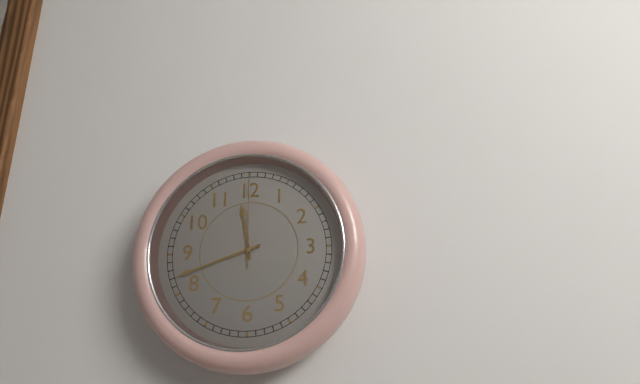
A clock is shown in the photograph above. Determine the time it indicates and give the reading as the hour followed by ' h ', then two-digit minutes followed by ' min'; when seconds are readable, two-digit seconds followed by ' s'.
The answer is 11 h 42 min 00 s
